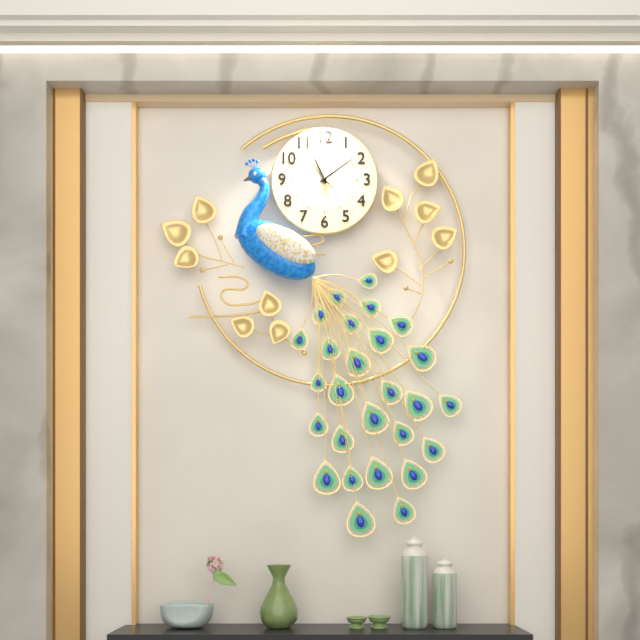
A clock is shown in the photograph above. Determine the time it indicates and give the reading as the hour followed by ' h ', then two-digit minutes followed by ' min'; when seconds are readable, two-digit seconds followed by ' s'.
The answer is 11 h 09 min 53 s
